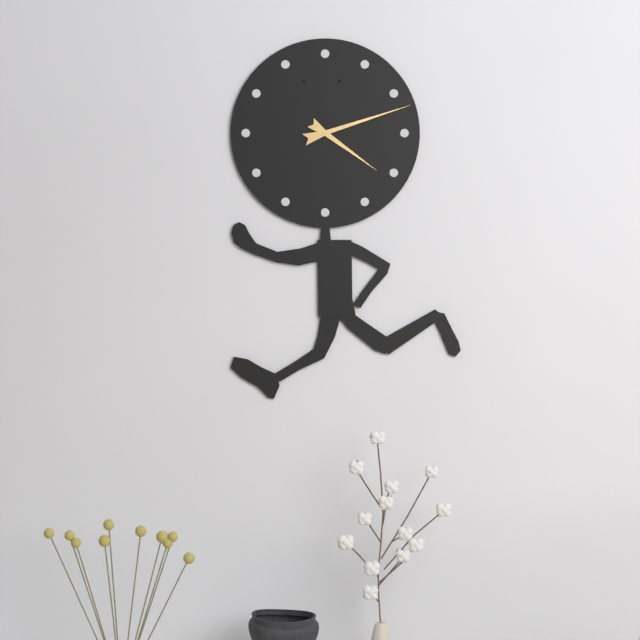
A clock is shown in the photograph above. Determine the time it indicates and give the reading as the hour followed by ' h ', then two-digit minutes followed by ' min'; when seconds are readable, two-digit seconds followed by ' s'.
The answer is 4 h 12 min
